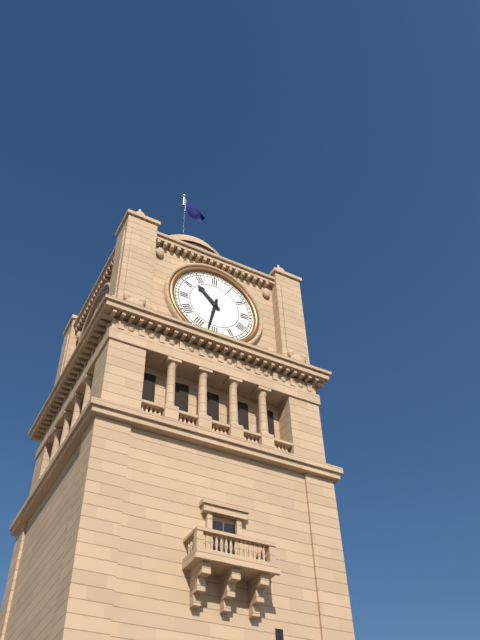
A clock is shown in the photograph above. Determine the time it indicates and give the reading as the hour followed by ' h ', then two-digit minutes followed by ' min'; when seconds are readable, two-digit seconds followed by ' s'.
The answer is 10 h 32 min
